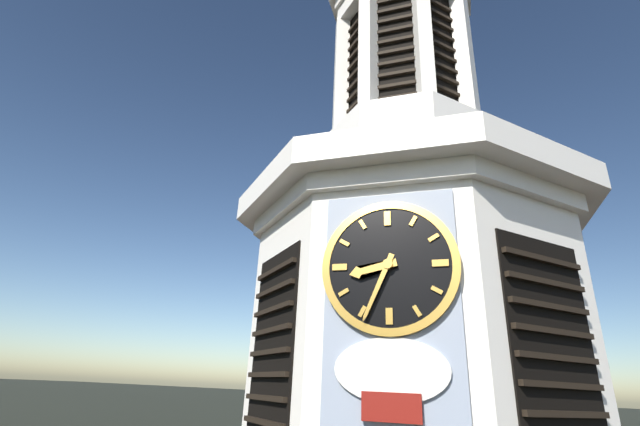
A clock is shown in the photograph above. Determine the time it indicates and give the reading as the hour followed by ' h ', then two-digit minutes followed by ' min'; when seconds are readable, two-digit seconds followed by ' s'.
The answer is 8 h 34 min
